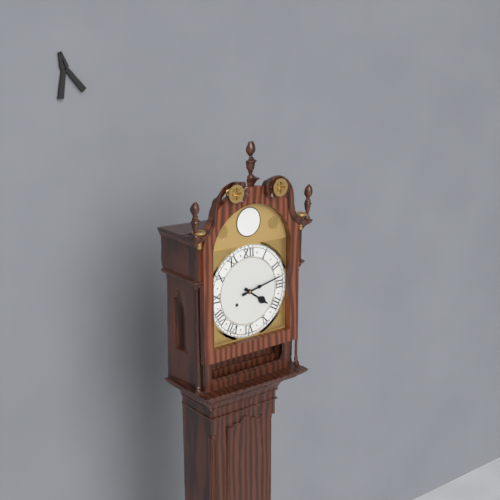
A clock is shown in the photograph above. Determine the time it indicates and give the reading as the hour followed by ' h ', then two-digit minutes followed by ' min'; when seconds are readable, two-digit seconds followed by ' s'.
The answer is 4 h 13 min
